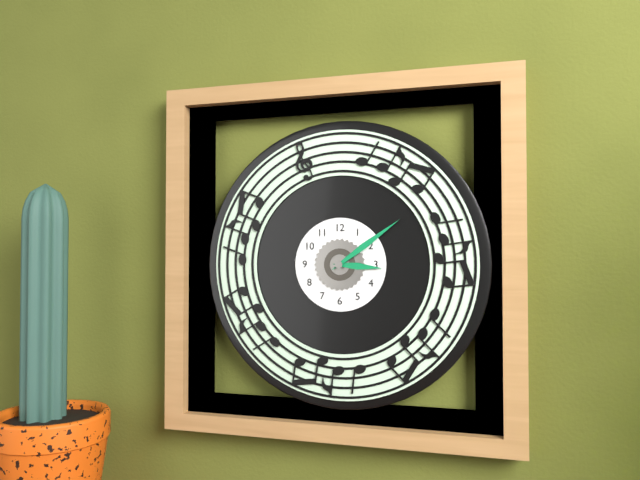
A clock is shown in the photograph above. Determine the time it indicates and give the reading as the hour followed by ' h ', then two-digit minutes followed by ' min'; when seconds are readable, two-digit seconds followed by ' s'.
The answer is 3 h 09 min
